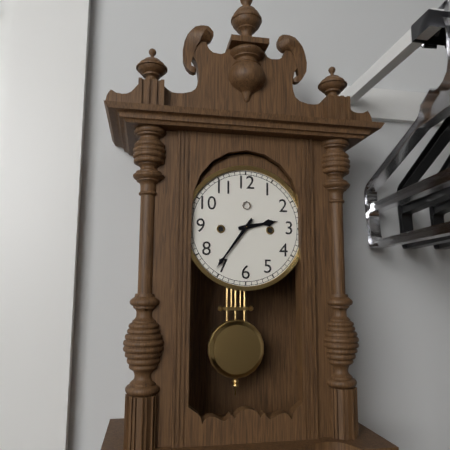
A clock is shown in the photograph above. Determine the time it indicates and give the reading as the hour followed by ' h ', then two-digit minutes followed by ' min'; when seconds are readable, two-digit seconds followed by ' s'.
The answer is 2 h 36 min
